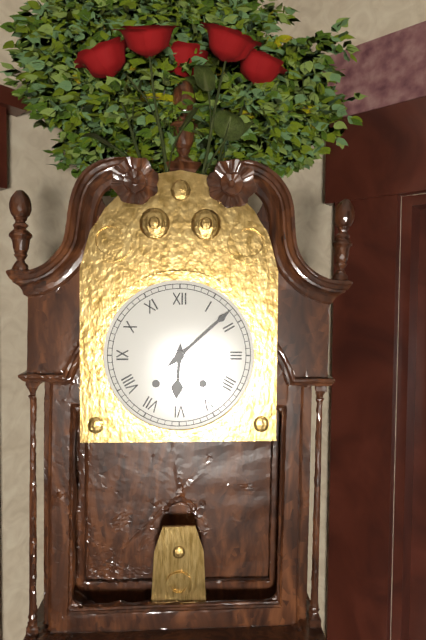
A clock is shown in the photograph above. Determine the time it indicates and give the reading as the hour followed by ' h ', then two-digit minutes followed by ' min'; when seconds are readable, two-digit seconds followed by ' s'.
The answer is 6 h 08 min
